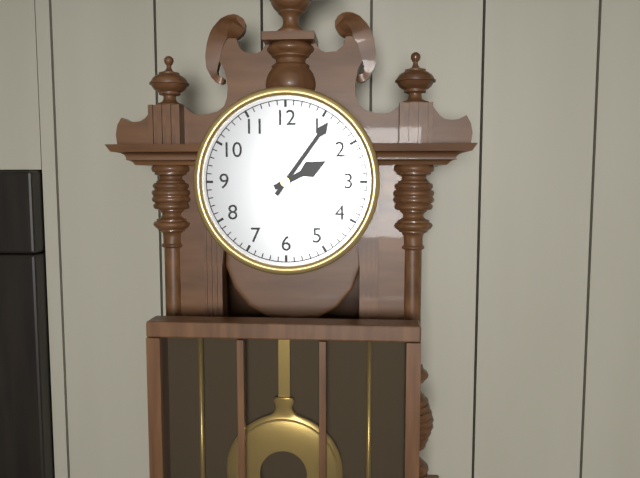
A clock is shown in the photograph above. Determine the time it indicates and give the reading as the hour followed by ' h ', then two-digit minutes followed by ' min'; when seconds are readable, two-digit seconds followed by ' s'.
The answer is 2 h 06 min
